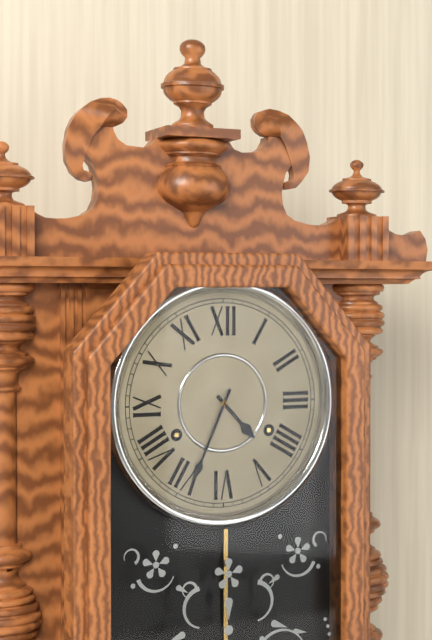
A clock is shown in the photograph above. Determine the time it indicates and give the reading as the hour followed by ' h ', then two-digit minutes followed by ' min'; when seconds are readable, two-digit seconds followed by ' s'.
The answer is 4 h 34 min
